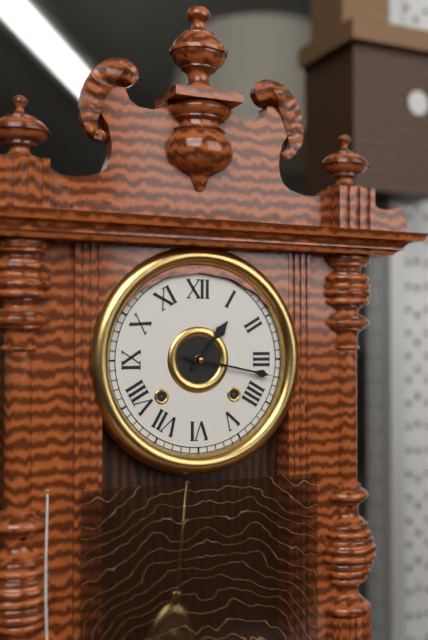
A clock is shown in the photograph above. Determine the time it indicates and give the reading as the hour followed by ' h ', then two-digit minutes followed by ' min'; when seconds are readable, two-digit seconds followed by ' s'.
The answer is 1 h 17 min
